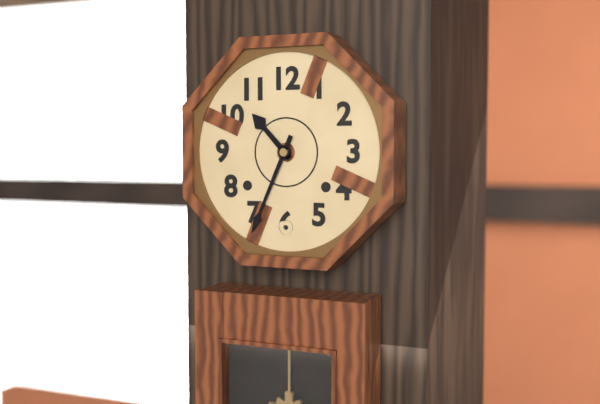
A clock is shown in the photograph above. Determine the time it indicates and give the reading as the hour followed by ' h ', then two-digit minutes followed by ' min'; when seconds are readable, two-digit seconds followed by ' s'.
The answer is 10 h 34 min
